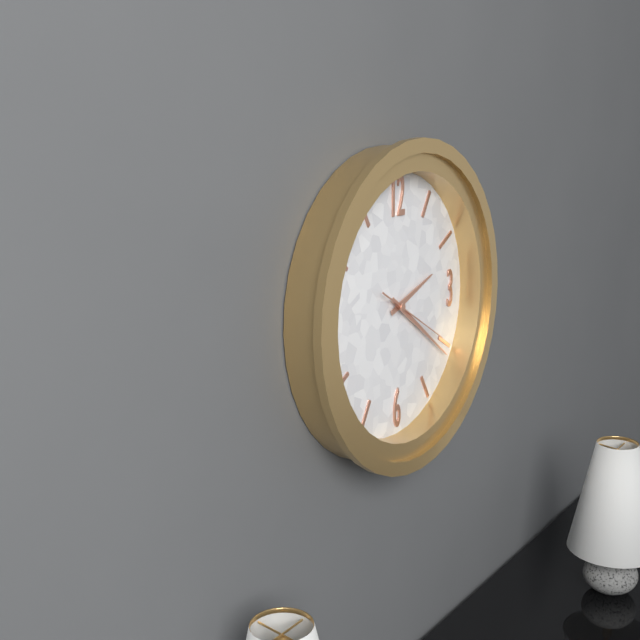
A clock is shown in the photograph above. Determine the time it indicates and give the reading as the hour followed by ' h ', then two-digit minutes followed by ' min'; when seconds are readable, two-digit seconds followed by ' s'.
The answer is 2 h 21 min 20 s
